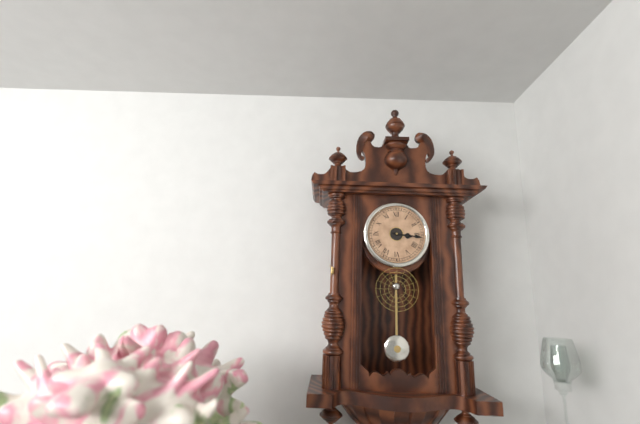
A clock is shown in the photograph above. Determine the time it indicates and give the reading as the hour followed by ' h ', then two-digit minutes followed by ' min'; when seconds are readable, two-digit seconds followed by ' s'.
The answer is 3 h 16 min
